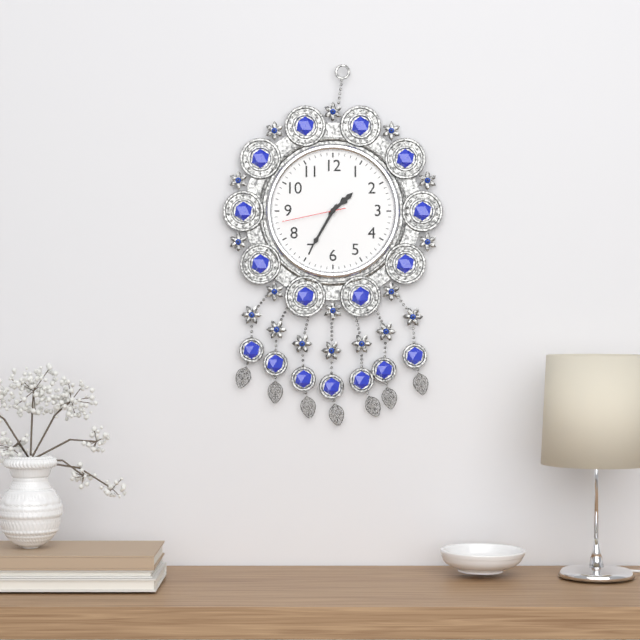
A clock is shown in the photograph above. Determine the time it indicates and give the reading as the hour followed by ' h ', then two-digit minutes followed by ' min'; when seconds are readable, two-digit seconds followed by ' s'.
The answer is 1 h 35 min 43 s
